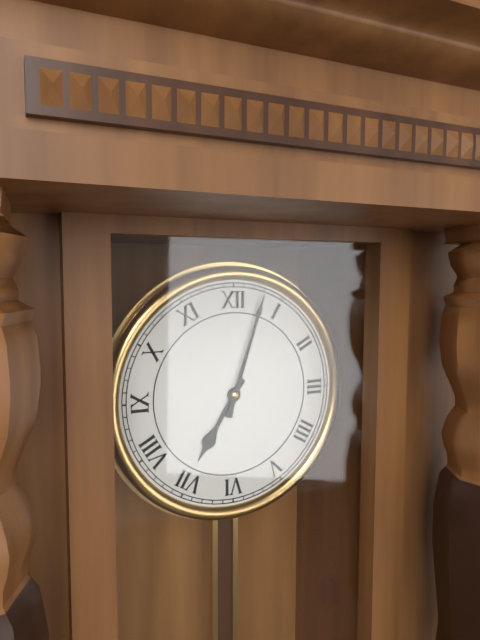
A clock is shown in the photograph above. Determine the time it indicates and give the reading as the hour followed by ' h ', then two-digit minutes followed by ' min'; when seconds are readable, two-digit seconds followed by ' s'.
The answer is 7 h 03 min
